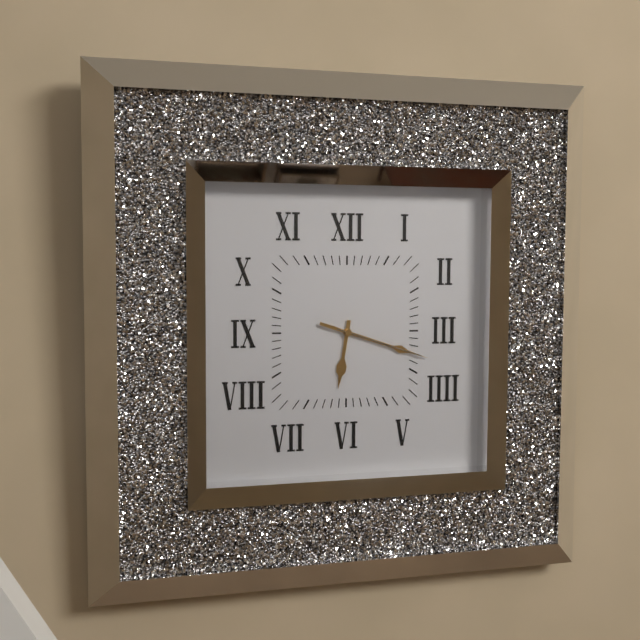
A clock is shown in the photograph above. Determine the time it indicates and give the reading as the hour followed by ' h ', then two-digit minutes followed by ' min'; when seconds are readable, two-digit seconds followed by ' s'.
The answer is 6 h 18 min 18 s
